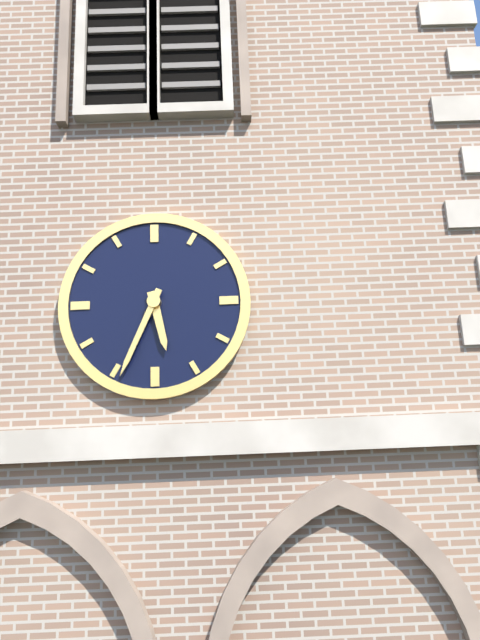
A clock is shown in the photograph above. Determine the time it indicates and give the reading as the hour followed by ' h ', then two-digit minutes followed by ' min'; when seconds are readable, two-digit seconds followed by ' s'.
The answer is 5 h 34 min
